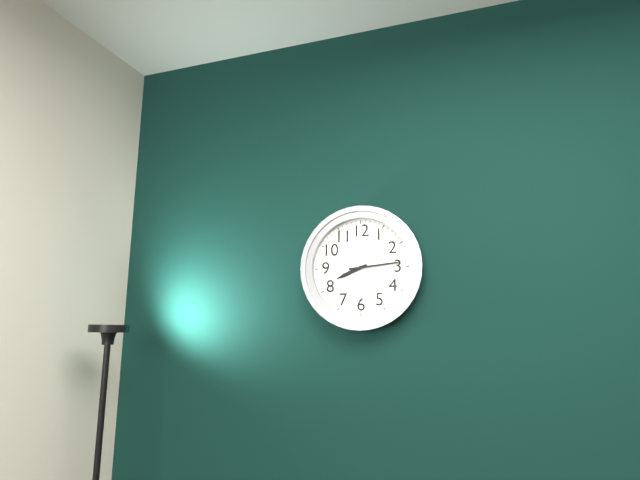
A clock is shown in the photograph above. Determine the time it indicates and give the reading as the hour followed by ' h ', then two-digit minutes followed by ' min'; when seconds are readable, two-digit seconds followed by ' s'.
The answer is 8 h 14 min
